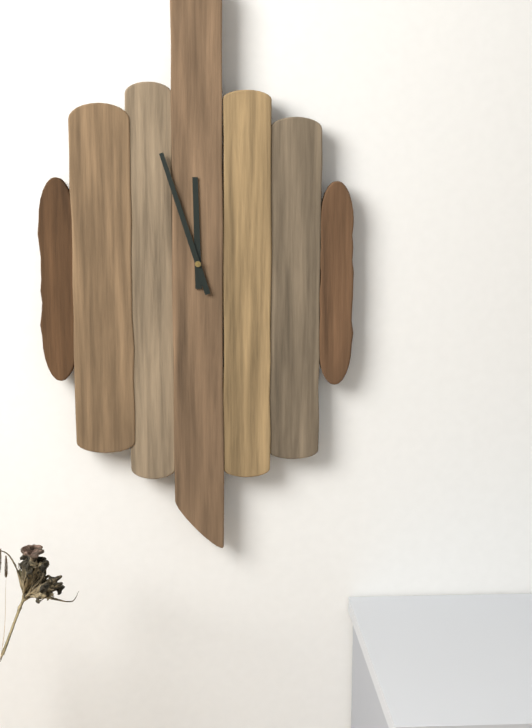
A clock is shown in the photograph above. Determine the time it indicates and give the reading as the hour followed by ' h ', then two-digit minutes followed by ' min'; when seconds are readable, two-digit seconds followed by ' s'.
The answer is 11 h 57 min
